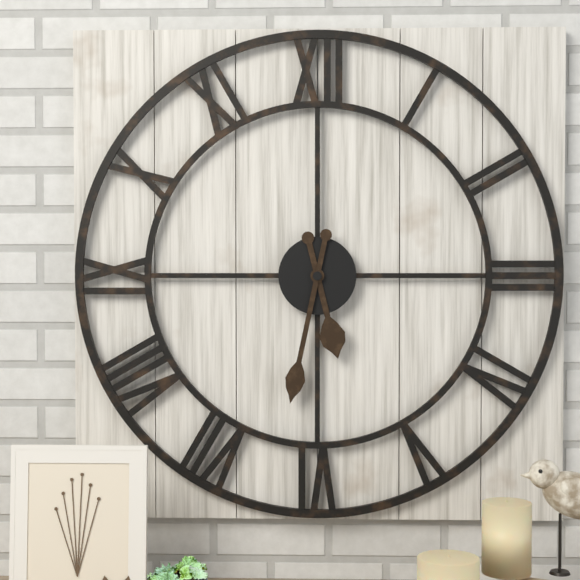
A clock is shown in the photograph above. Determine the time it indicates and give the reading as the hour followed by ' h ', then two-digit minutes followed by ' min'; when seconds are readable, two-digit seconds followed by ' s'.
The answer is 5 h 32 min
